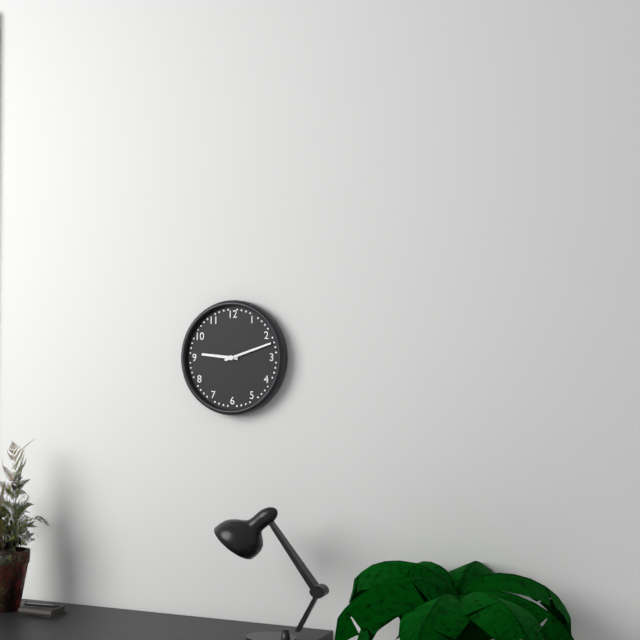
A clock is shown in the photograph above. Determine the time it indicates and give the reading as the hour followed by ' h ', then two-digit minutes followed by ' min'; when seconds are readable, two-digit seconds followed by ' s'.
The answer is 9 h 12 min
